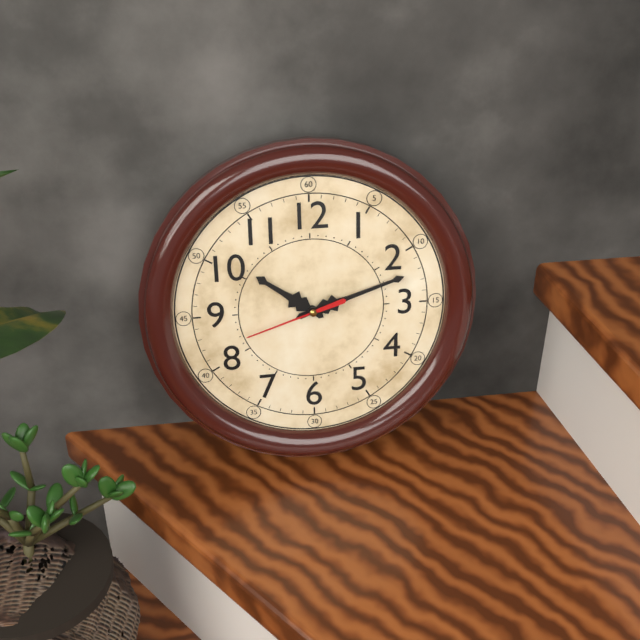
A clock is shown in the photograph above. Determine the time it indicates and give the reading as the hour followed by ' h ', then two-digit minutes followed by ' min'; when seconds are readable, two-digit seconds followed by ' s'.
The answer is 10 h 12 min 42 s
